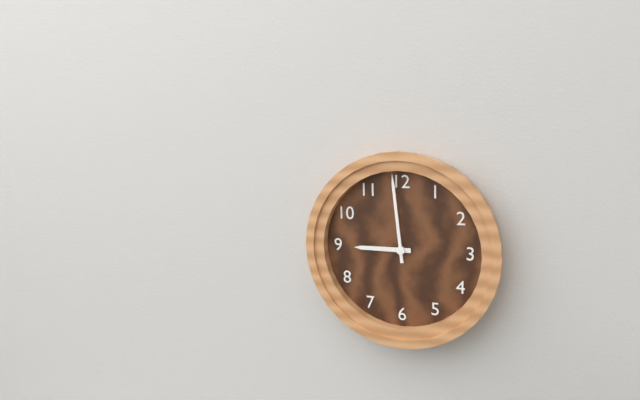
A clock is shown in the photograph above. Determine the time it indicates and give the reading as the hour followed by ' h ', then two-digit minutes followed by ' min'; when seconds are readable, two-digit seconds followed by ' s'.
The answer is 8 h 59 min
